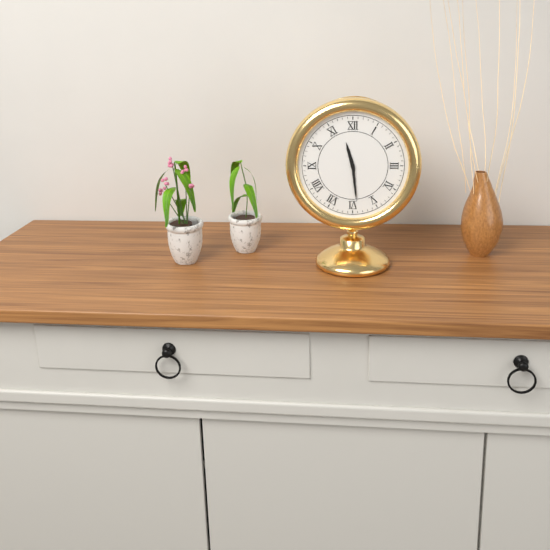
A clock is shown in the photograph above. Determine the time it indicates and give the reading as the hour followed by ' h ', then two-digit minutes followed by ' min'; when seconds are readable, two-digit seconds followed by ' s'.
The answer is 11 h 29 min
